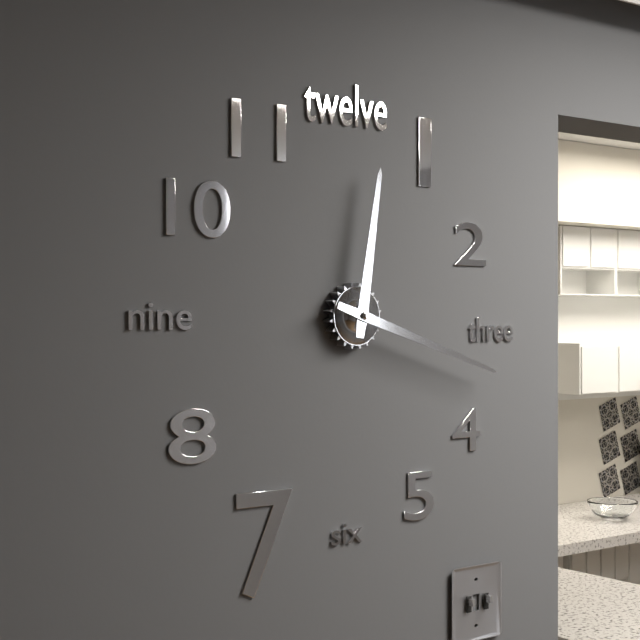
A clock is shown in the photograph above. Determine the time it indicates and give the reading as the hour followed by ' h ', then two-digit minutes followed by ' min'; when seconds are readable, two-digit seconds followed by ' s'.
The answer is 12 h 18 min
